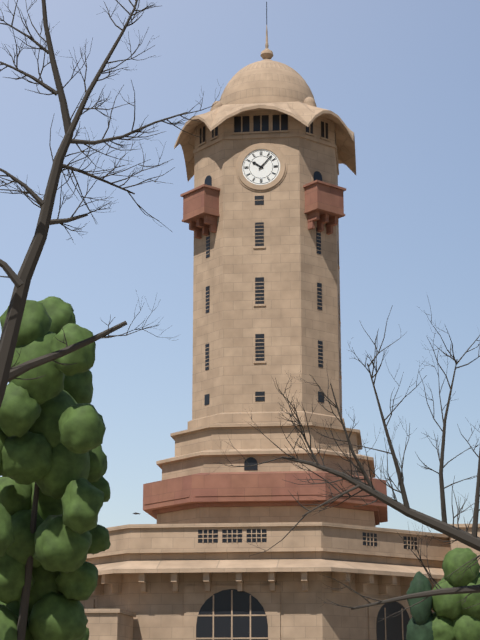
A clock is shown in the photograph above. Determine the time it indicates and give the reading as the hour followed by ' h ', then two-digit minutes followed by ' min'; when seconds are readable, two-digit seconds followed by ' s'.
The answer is 10 h 07 min
